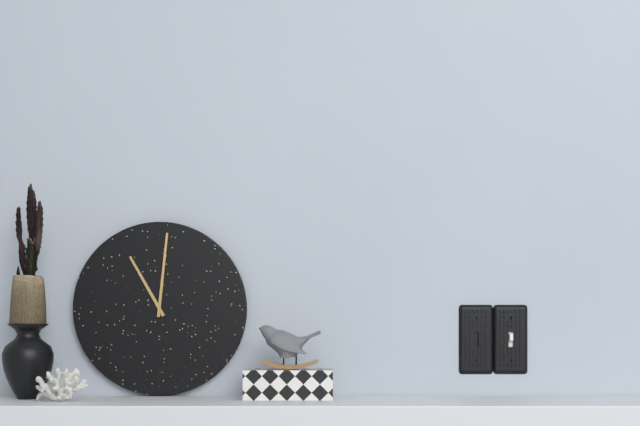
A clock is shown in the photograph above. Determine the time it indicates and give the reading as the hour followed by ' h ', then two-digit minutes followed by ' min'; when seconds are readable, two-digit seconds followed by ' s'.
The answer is 11 h 01 min
